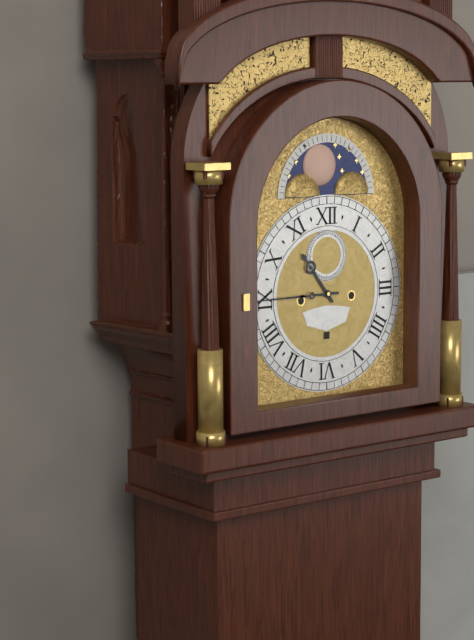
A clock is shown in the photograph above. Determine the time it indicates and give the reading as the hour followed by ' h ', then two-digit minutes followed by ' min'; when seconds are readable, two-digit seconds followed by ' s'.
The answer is 10 h 45 min
